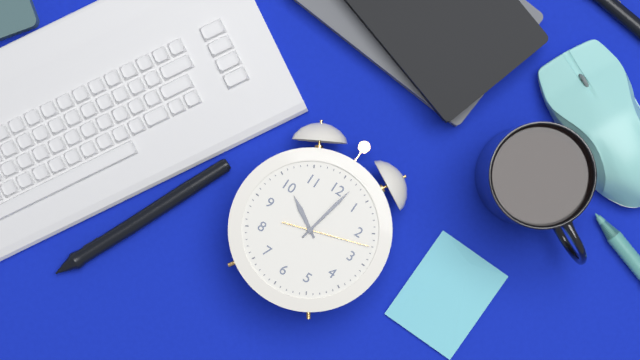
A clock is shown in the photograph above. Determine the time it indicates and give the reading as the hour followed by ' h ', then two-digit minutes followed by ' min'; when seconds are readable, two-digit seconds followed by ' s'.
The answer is 10 h 02 min 12 s
